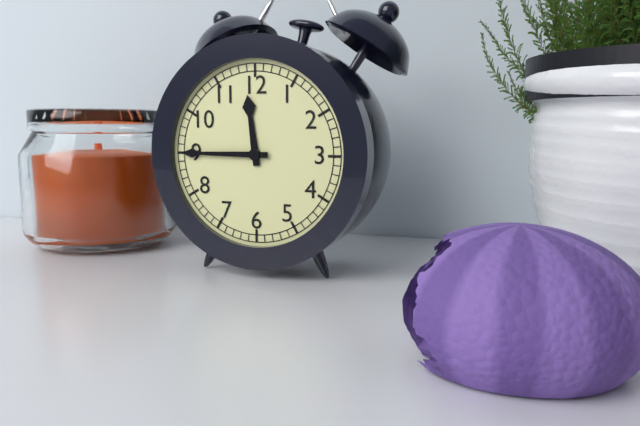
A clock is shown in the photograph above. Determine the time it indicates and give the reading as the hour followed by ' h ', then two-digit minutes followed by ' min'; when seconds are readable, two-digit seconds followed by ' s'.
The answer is 11 h 45 min
